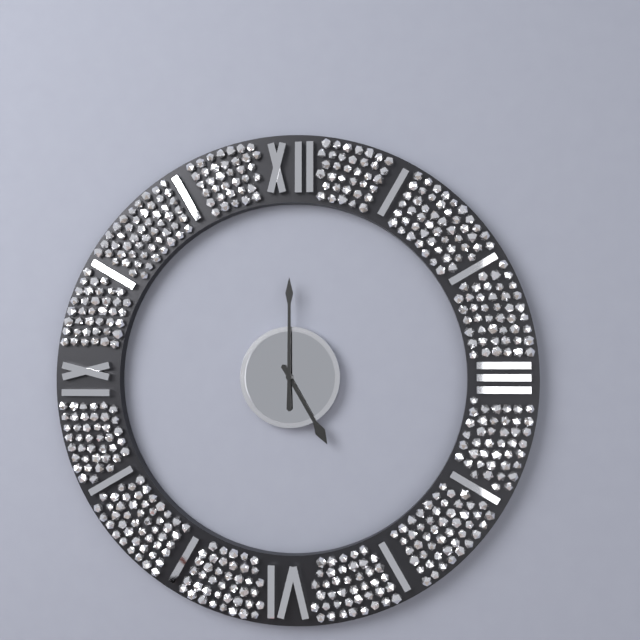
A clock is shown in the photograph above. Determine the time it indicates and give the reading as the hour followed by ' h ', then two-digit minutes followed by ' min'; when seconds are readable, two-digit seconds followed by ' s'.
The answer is 5 h 00 min
